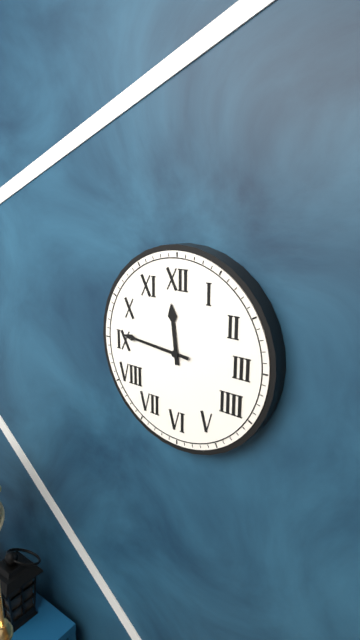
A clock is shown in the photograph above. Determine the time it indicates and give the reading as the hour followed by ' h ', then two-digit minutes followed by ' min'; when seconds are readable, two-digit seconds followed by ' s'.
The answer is 11 h 46 min
